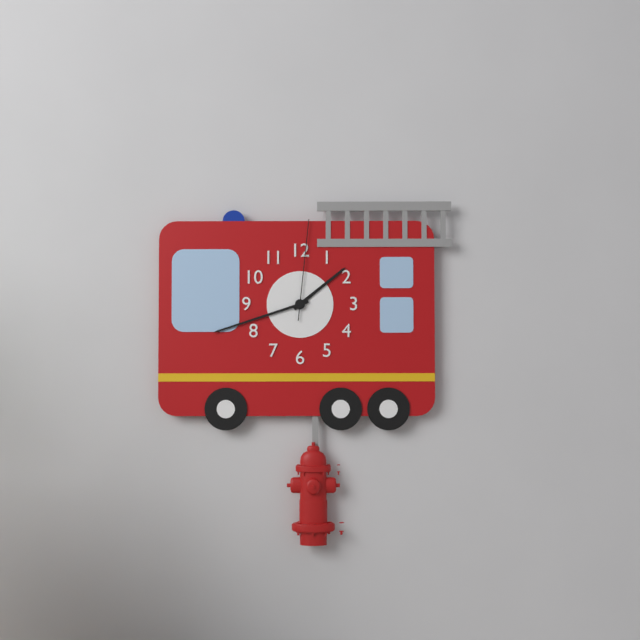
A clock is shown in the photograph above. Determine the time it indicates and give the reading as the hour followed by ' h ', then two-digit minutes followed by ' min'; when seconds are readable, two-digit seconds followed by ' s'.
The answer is 1 h 42 min 01 s
